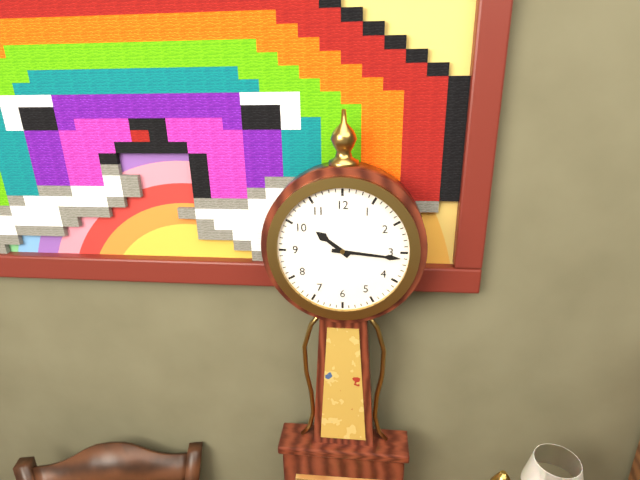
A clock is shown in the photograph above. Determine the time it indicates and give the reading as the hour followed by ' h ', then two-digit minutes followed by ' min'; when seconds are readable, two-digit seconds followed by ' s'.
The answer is 10 h 16 min
